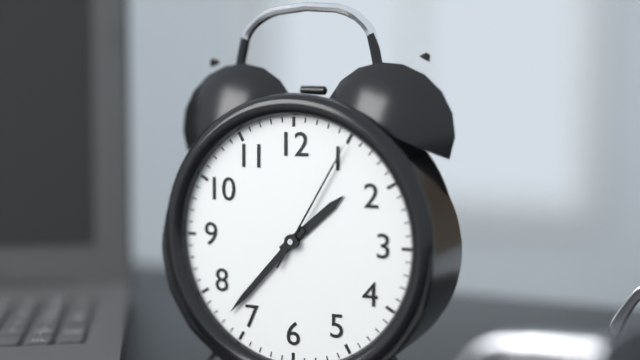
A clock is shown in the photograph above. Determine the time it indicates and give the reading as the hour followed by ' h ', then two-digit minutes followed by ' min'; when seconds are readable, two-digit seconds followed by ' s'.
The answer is 1 h 37 min 05 s
